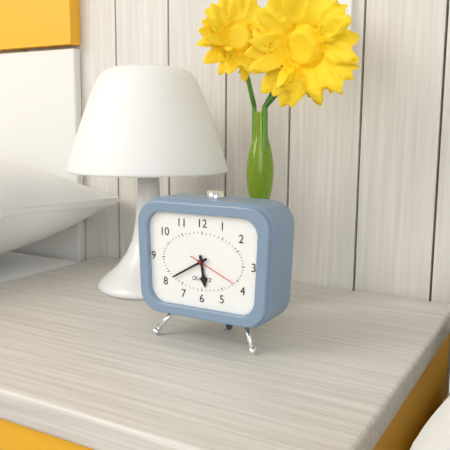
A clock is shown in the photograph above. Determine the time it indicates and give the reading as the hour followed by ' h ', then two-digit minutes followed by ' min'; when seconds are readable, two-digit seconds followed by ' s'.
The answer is 5 h 40 min 19 s
